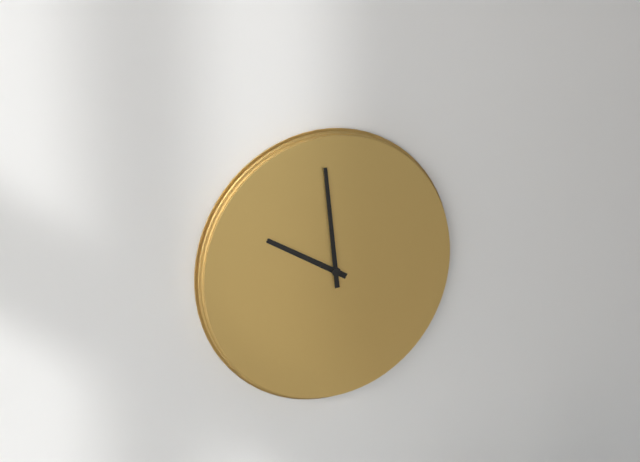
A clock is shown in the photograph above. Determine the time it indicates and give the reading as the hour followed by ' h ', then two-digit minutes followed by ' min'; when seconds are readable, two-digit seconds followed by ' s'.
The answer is 9 h 59 min
